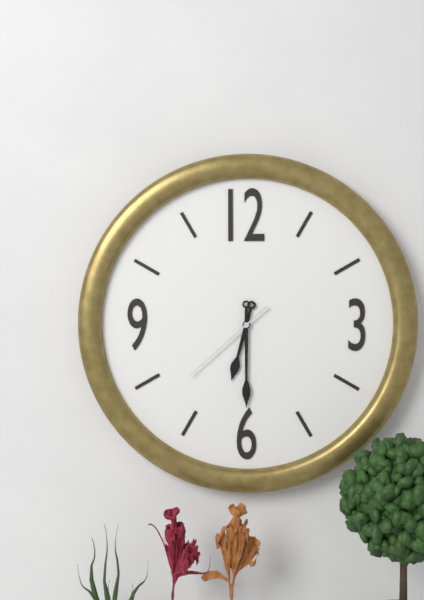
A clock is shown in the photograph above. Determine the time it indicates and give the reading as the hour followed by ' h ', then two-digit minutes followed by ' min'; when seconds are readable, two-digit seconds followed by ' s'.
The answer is 6 h 30 min 38 s
